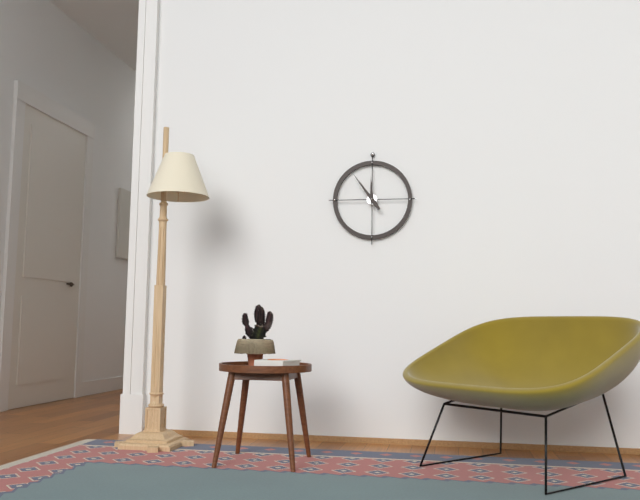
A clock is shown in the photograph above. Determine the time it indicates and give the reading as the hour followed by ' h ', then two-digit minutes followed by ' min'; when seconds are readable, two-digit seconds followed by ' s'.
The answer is 11 h 54 min
